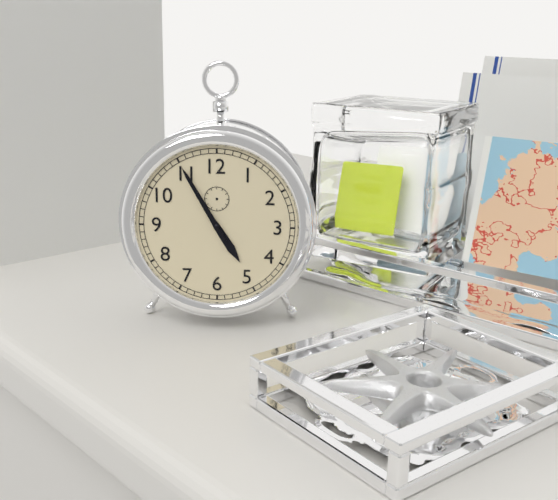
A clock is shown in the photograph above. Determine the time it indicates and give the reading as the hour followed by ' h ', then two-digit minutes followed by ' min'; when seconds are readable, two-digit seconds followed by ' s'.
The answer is 4 h 55 min
